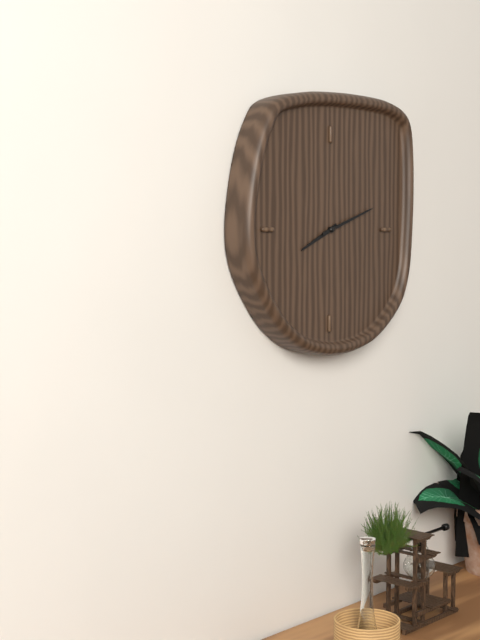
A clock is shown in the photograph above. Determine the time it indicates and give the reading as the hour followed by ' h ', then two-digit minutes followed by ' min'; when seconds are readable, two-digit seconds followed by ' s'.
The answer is 8 h 12 min
